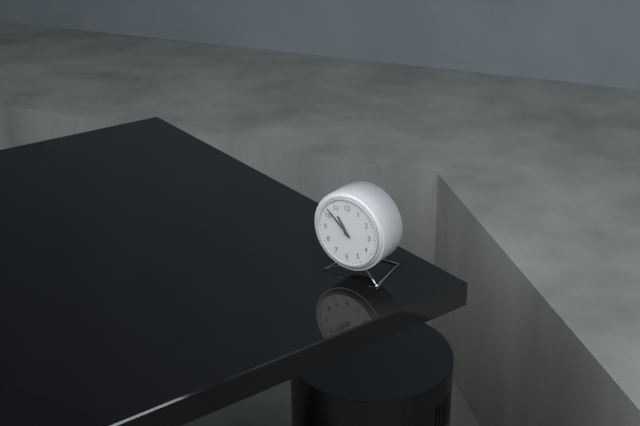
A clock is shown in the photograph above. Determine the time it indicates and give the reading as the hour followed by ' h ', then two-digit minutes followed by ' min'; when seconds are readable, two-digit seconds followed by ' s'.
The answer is 10 h 52 min
